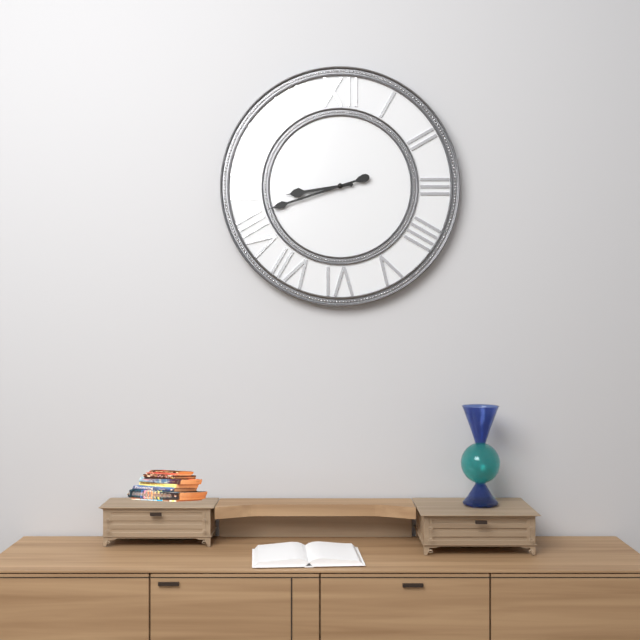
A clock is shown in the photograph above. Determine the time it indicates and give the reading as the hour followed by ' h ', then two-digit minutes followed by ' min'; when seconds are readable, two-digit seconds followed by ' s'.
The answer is 8 h 42 min
